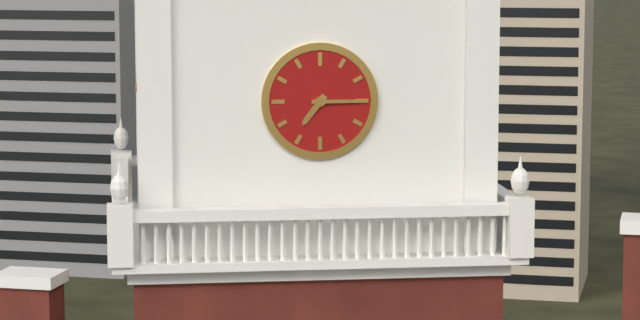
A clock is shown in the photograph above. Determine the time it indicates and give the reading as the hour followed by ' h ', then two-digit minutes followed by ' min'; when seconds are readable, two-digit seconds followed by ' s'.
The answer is 7 h 15 min
